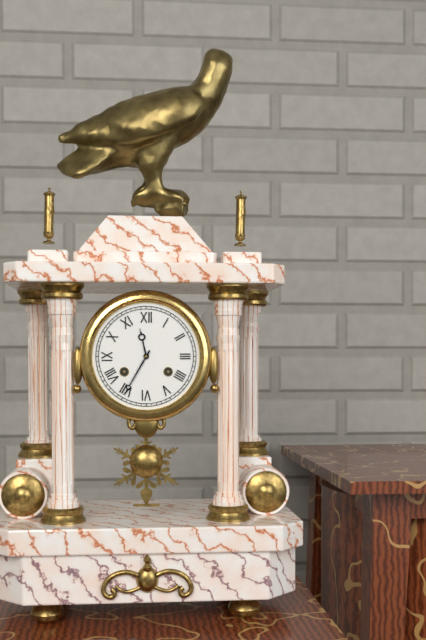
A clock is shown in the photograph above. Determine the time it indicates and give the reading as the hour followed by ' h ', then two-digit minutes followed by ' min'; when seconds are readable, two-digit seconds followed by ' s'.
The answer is 11 h 35 min
